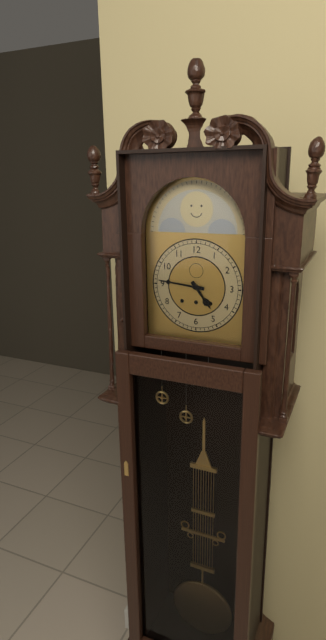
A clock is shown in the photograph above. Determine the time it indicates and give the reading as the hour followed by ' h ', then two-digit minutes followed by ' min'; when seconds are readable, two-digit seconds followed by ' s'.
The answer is 4 h 46 min
